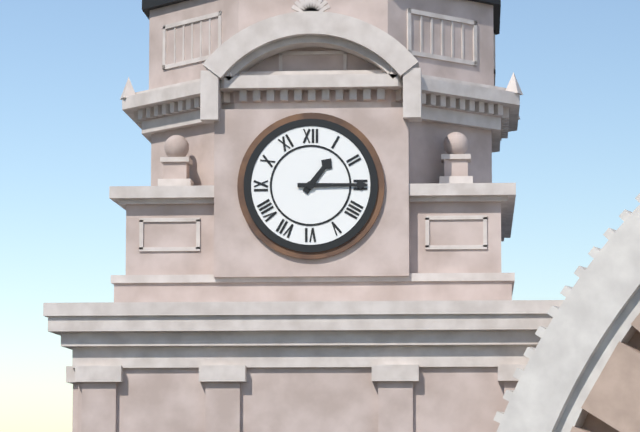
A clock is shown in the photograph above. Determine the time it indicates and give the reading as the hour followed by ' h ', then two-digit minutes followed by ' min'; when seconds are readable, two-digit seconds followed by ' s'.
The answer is 1 h 15 min
